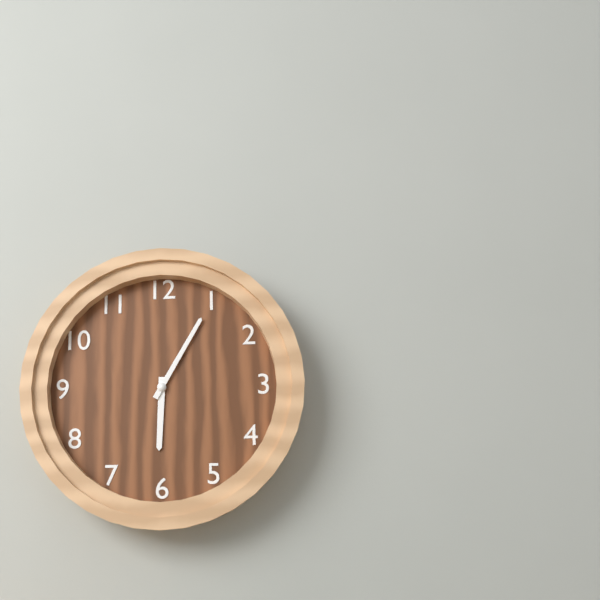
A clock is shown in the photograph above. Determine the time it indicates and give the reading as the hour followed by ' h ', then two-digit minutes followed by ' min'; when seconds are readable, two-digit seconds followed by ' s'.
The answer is 6 h 05 min
